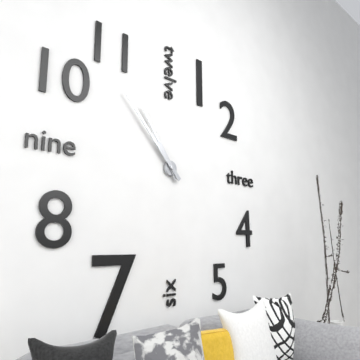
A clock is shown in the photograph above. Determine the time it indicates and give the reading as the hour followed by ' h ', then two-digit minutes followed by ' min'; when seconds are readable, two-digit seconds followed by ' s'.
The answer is 10 h 53 min
